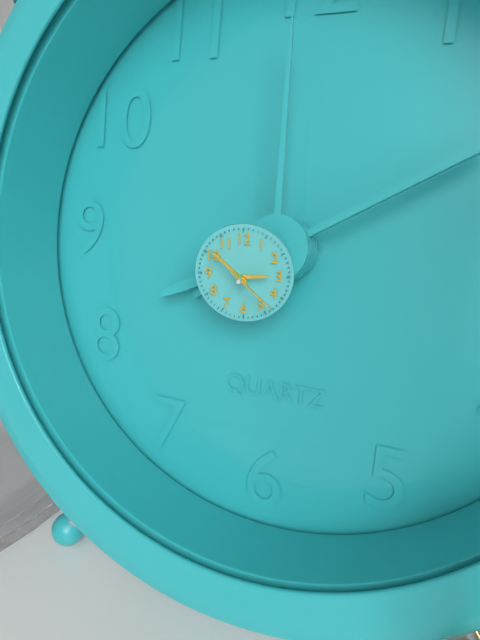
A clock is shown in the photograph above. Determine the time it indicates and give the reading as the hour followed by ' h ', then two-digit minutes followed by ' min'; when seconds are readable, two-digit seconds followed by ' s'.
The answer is 2 h 52 min 22 s
